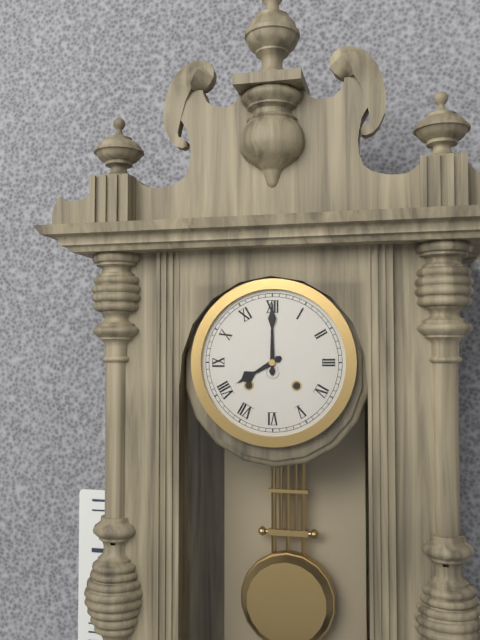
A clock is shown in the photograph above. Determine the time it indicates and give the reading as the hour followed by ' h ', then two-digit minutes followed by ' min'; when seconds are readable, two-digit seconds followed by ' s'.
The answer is 8 h 00 min
